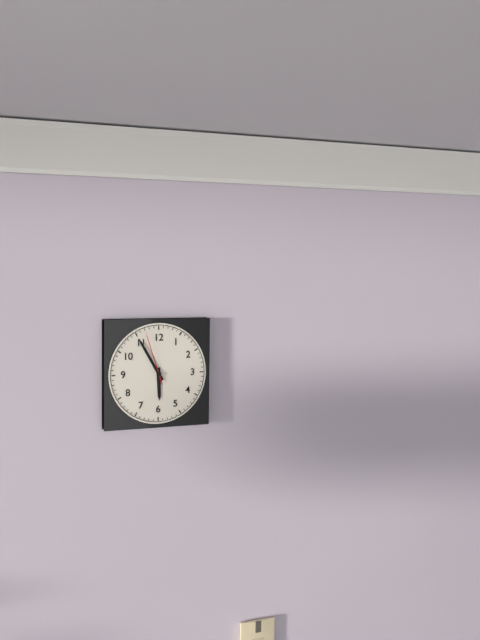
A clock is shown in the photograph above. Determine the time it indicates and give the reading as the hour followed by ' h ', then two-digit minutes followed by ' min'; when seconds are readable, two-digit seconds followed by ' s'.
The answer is 5 h 55 min 57 s
